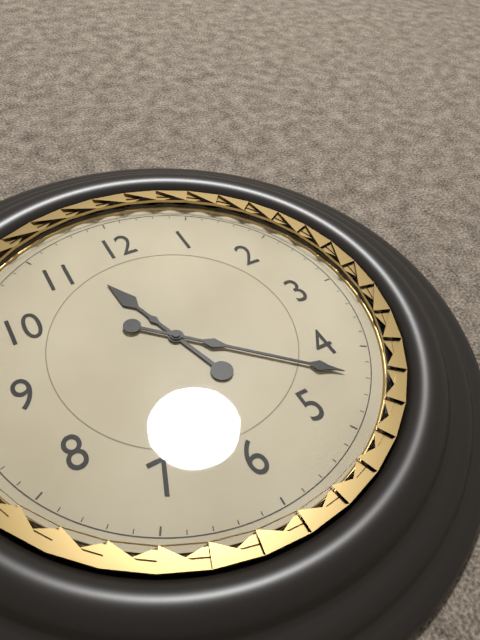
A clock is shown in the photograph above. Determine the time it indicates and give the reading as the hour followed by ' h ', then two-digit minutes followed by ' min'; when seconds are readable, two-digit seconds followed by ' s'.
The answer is 11 h 22 min
